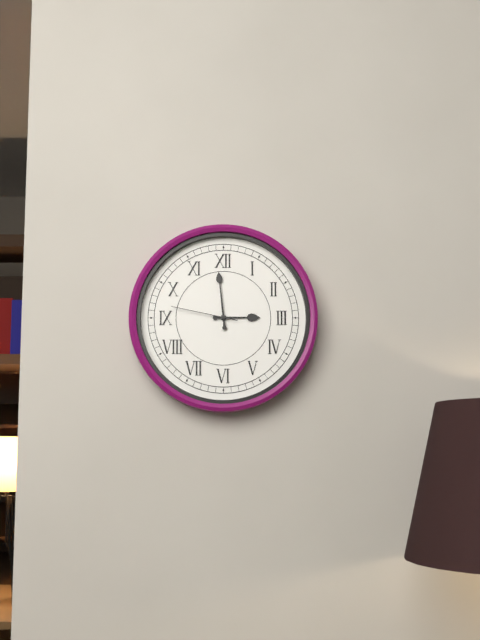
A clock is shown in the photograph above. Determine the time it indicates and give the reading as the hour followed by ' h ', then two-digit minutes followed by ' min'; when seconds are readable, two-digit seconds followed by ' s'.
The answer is 2 h 59 min 47 s
